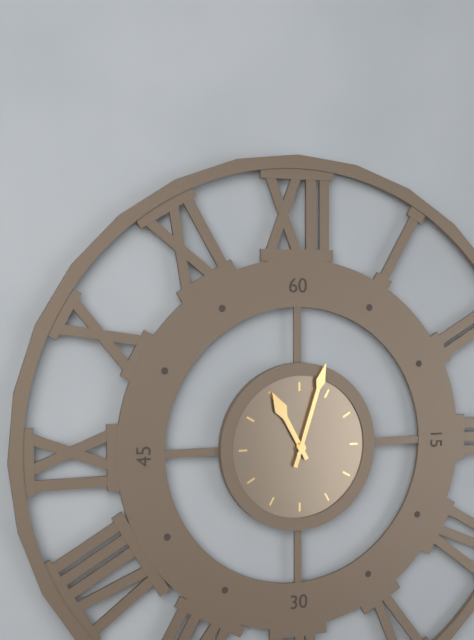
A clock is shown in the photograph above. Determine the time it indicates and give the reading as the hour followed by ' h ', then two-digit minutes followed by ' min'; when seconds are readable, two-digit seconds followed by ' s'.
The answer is 11 h 03 min
